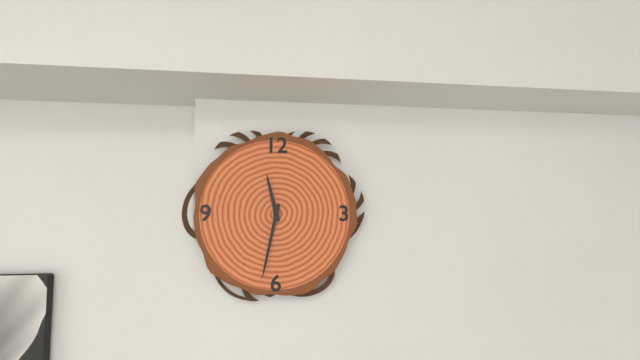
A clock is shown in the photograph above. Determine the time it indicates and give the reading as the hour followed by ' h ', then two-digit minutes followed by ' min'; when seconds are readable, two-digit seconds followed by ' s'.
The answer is 11 h 32 min
